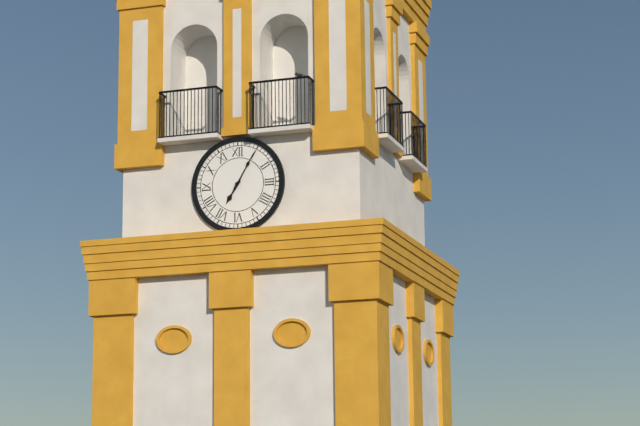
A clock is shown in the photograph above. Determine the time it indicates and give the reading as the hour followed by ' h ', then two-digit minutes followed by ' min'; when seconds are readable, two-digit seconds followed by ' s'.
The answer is 7 h 05 min
